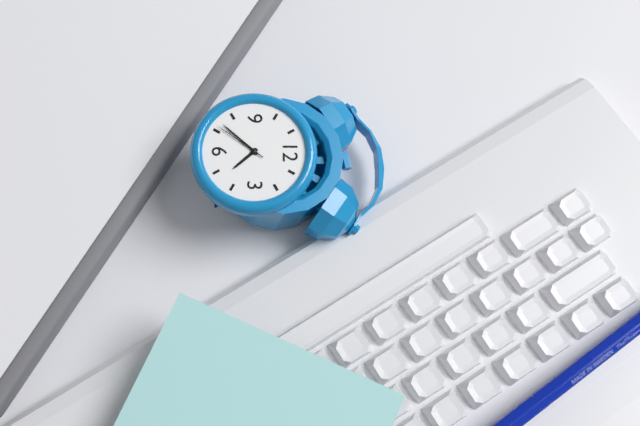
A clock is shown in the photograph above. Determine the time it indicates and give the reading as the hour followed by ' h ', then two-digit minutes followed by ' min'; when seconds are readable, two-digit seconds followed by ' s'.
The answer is 4 h 37 min 36 s
